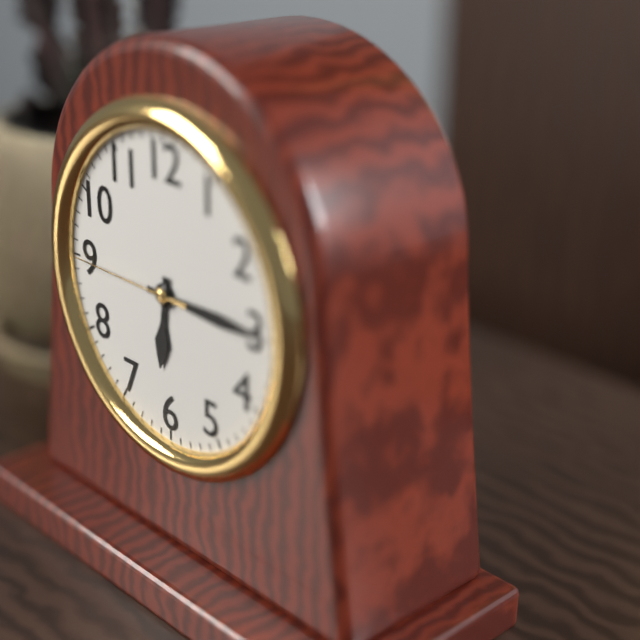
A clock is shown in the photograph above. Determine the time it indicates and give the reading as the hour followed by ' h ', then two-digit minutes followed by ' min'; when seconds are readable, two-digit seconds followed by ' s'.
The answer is 6 h 15 min 45 s
